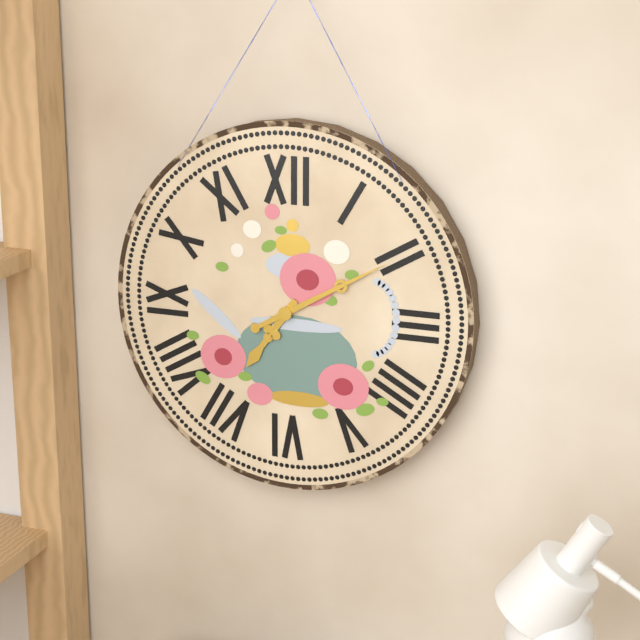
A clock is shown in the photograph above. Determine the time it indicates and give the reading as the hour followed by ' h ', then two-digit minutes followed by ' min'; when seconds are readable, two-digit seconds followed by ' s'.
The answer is 7 h 10 min
